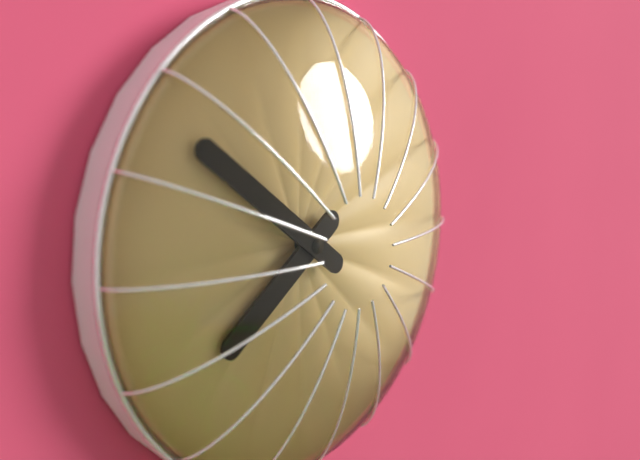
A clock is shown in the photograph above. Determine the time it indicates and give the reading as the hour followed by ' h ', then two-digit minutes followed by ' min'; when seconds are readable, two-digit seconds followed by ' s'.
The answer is 7 h 51 min
